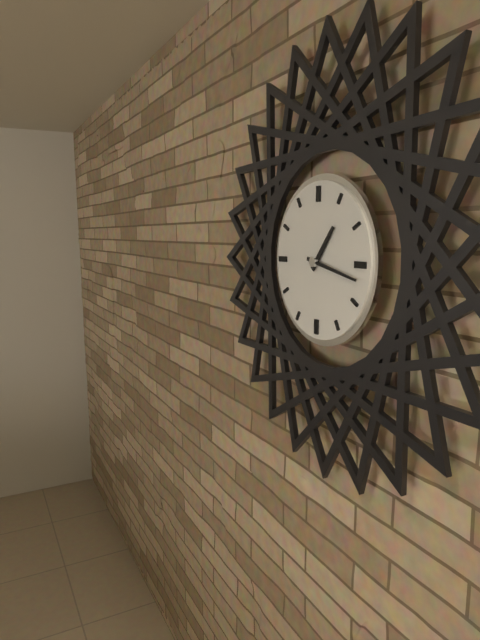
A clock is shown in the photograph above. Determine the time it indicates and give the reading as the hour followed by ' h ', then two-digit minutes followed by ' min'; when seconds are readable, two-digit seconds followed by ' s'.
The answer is 1 h 17 min
